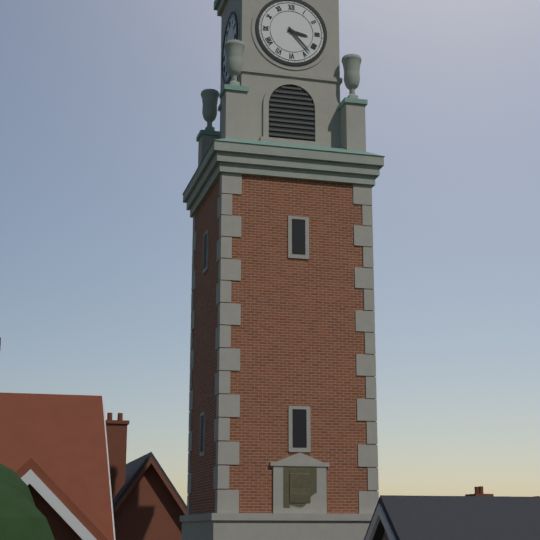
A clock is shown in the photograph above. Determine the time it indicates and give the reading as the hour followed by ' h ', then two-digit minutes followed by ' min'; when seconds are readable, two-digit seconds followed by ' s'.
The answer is 3 h 23 min
